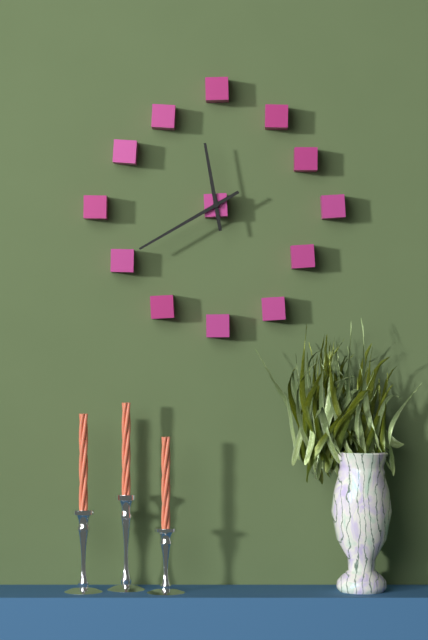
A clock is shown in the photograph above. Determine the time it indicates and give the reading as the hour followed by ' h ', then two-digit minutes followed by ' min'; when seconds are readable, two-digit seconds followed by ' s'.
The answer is 11 h 40 min
